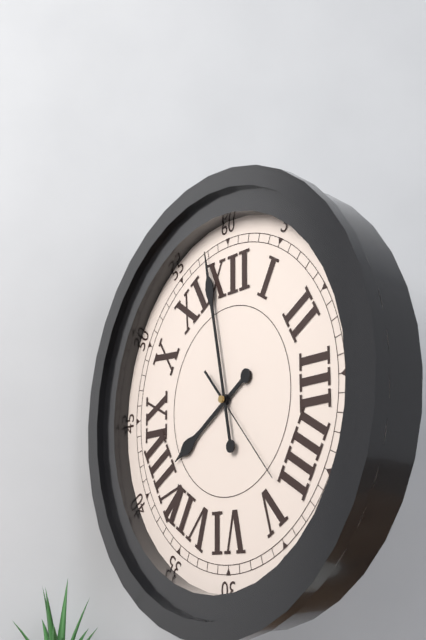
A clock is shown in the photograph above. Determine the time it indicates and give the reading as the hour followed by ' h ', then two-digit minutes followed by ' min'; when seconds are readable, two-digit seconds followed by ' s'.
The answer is 7 h 58 min 23 s
